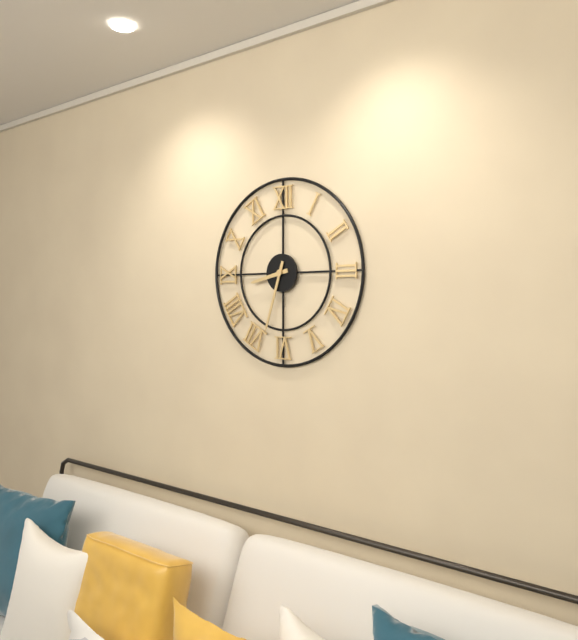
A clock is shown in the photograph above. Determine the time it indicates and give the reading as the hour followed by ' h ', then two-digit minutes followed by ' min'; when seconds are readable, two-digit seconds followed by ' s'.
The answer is 8 h 33 min
